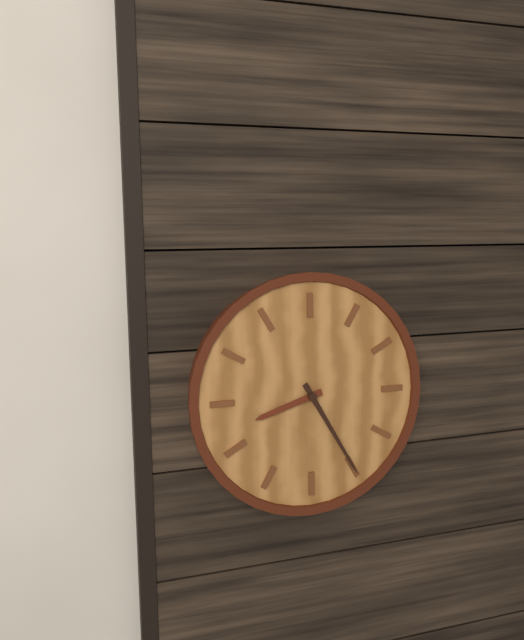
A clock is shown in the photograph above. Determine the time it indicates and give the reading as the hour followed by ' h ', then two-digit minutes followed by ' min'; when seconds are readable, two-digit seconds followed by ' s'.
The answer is 8 h 25 min
